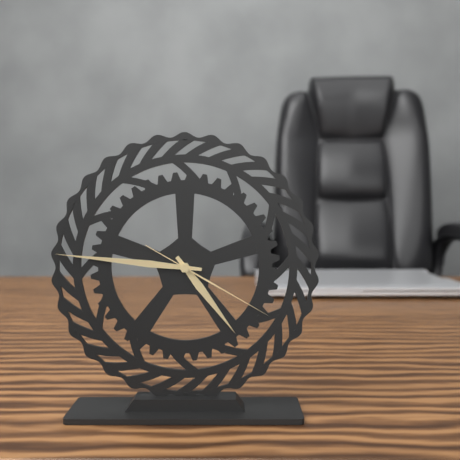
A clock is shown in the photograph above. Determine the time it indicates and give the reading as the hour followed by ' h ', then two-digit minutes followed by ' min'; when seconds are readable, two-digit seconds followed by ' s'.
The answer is 4 h 46 min 20 s
